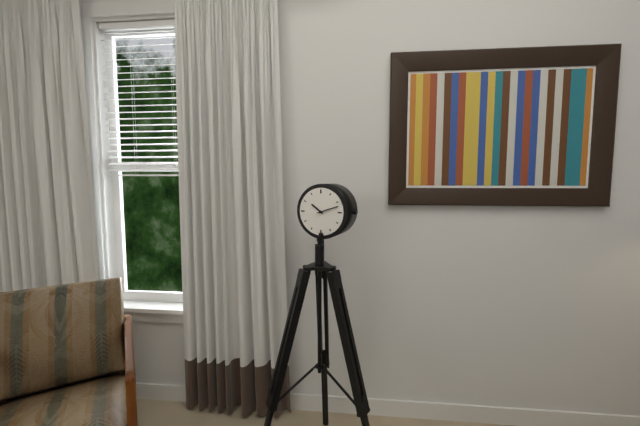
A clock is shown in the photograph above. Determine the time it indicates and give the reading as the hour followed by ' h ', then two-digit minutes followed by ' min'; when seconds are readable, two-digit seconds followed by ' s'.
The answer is 10 h 12 min
